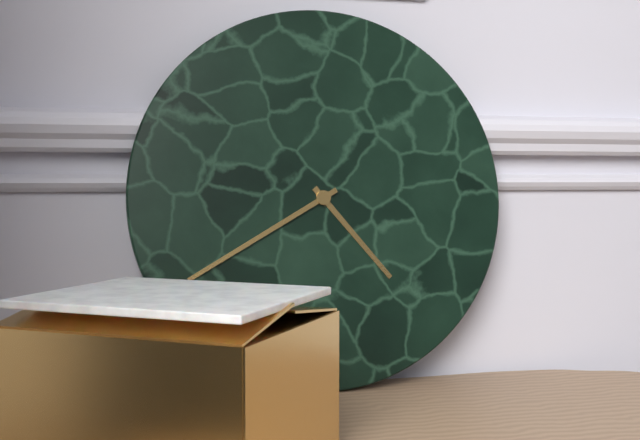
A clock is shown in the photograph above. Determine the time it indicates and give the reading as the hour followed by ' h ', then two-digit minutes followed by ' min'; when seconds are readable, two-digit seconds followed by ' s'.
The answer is 4 h 40 min
